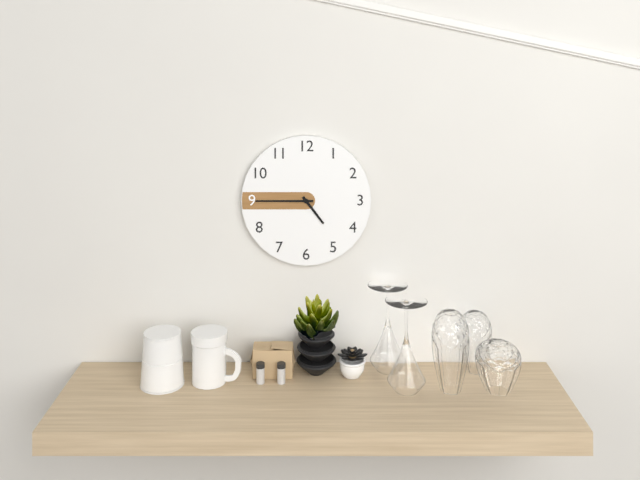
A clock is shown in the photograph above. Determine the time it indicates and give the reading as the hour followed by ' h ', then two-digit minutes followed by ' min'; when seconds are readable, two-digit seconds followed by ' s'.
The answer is 4 h 45 min
